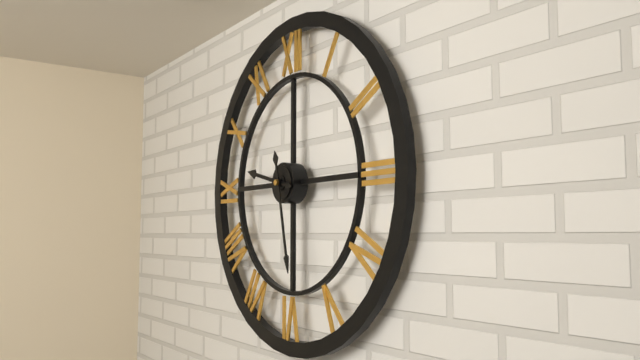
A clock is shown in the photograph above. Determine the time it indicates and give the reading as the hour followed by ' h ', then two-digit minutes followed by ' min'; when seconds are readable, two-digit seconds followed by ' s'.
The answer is 9 h 28 min
